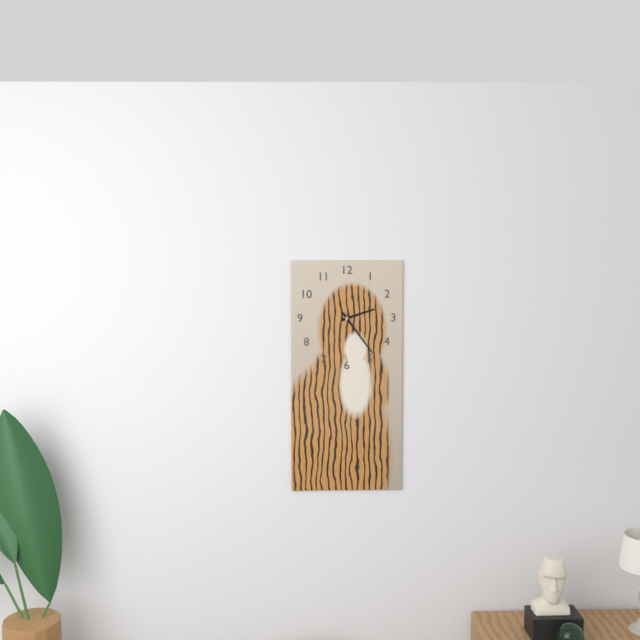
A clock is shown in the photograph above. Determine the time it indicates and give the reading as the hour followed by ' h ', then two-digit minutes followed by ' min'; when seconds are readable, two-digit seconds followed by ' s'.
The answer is 2 h 24 min
